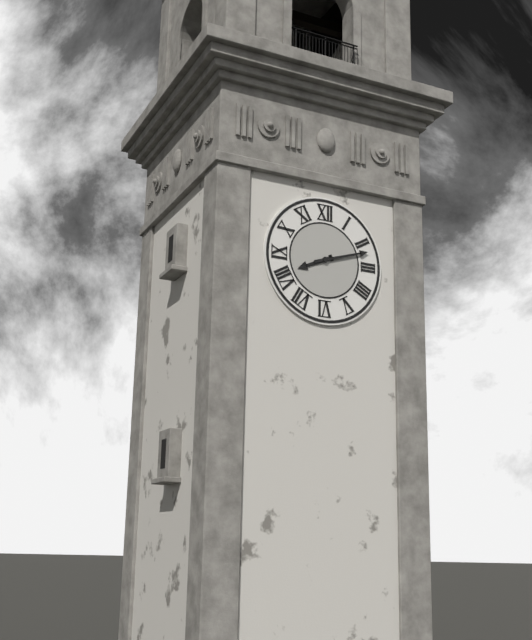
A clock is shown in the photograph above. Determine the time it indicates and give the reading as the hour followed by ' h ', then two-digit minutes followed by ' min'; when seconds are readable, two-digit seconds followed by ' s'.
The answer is 8 h 12 min
